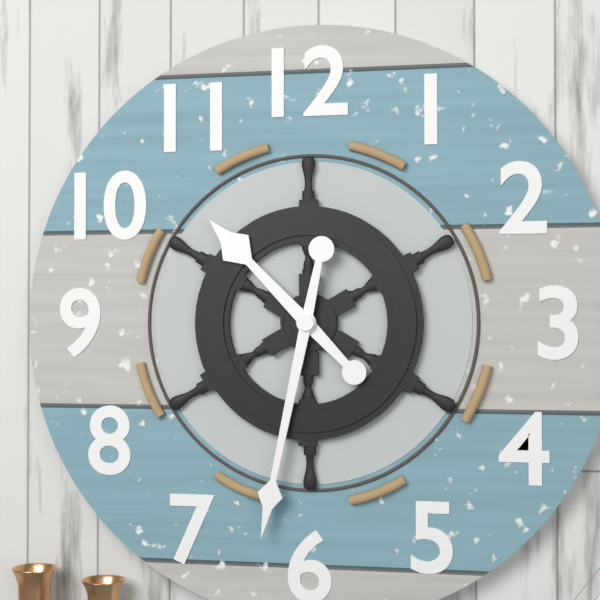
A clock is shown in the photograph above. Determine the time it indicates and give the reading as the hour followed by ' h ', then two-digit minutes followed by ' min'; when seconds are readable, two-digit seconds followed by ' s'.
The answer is 10 h 32 min
